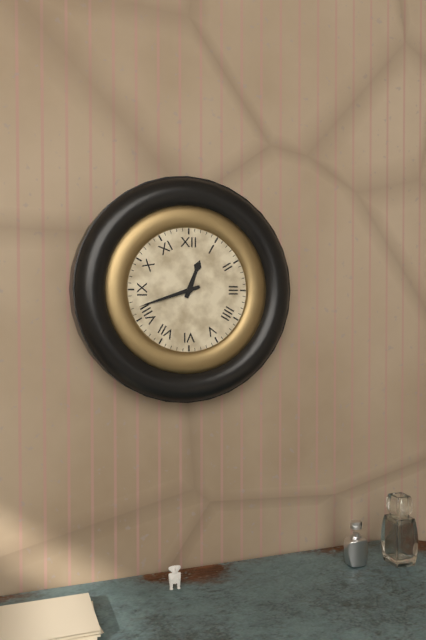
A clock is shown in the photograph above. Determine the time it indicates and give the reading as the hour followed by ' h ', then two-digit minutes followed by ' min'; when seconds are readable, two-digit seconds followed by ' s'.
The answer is 12 h 42 min
